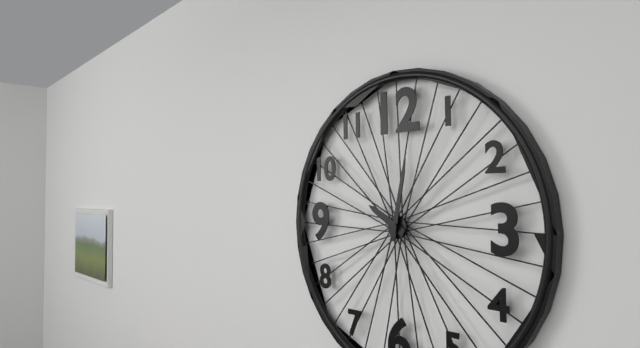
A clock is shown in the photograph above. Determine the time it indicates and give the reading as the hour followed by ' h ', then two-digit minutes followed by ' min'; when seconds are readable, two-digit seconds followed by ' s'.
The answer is 10 h 02 min
